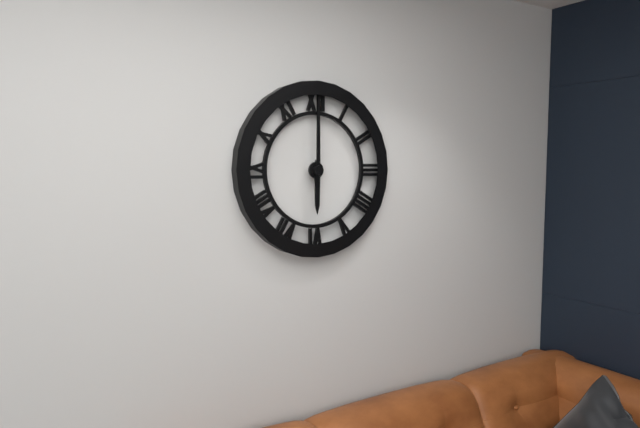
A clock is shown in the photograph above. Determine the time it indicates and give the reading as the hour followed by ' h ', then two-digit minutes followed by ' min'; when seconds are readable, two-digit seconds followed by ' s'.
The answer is 6 h 00 min
